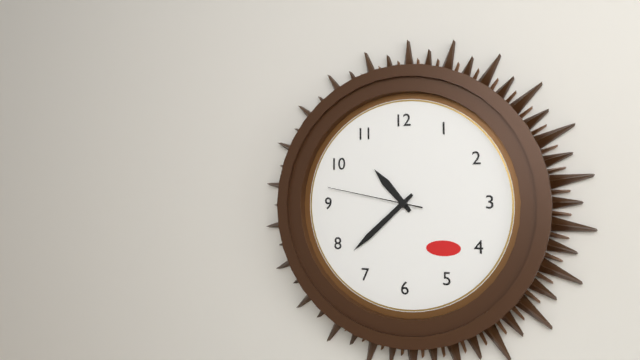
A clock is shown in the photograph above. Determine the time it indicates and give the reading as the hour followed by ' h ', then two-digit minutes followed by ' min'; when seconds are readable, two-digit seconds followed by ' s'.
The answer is 10 h 38 min 47 s
